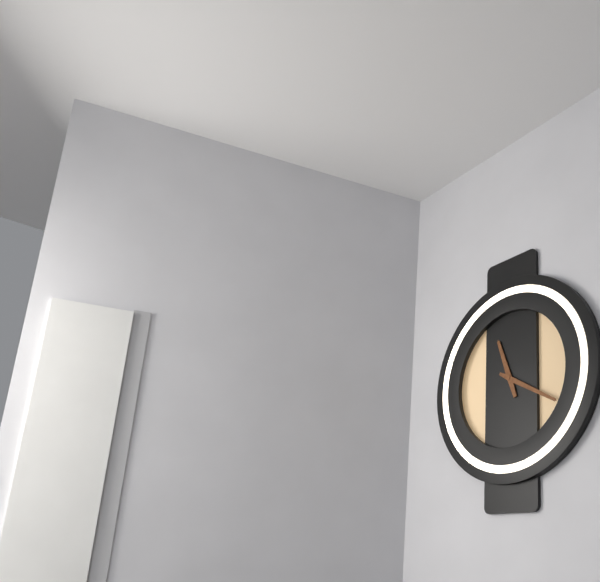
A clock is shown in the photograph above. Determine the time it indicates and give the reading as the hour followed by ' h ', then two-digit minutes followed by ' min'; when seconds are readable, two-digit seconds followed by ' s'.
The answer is 11 h 20 min
